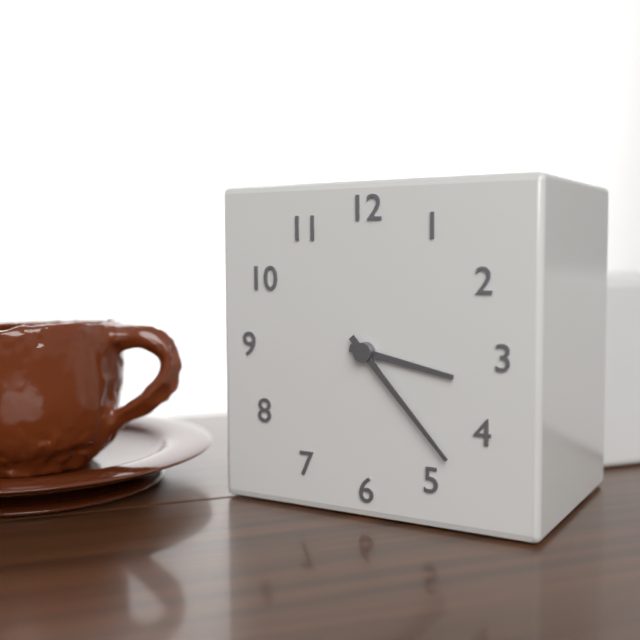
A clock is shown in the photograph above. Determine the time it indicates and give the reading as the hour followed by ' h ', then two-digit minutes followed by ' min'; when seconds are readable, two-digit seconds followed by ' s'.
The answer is 3 h 23 min
